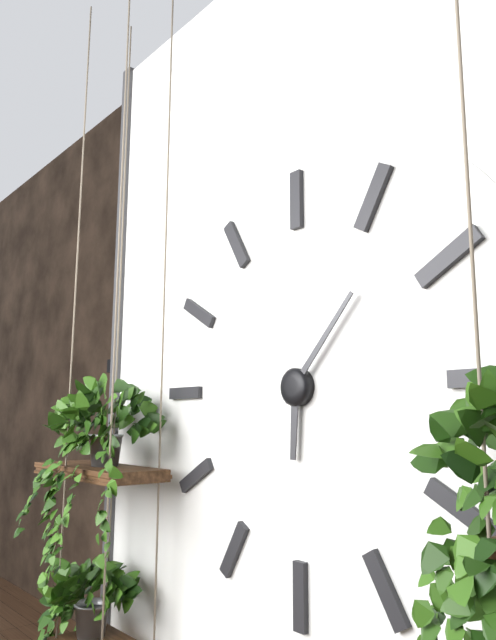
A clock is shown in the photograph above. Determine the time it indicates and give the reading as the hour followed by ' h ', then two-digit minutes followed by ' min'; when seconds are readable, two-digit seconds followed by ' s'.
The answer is 6 h 07 min
